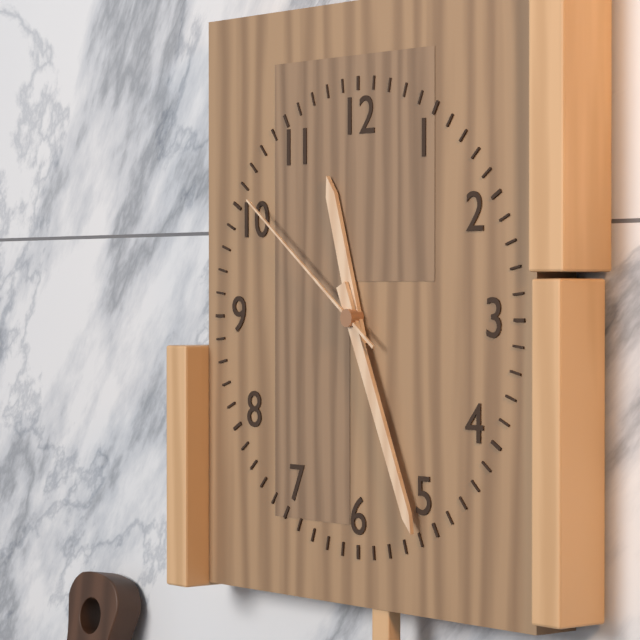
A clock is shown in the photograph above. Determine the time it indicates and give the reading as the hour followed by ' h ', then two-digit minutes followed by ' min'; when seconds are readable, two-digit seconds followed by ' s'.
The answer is 11 h 26 min 51 s
